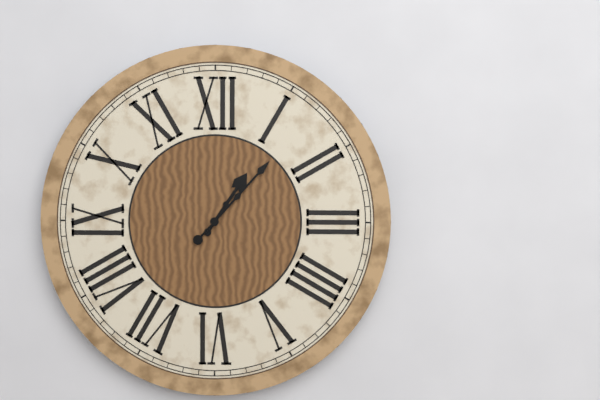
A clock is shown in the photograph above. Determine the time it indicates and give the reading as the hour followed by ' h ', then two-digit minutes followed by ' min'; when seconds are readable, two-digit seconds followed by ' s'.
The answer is 1 h 07 min
